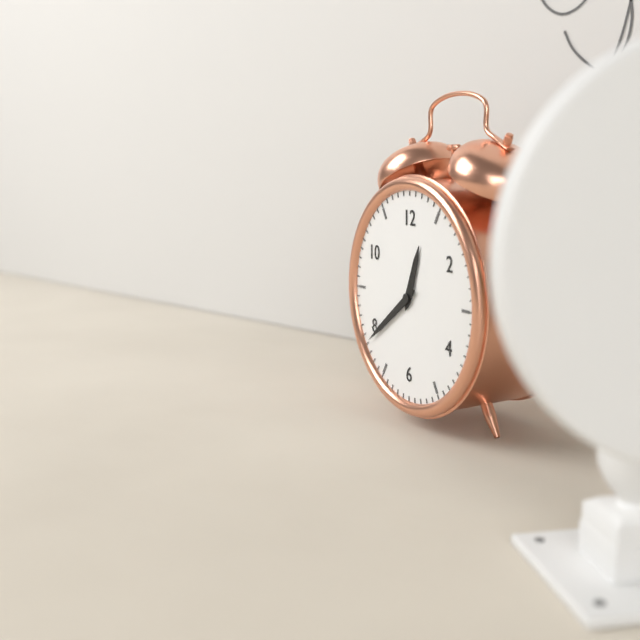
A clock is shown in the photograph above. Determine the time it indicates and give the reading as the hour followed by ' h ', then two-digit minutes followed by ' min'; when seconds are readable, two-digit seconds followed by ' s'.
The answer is 12 h 39 min
